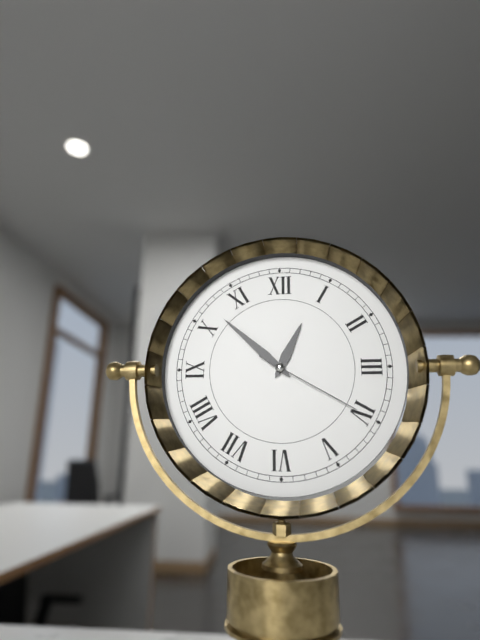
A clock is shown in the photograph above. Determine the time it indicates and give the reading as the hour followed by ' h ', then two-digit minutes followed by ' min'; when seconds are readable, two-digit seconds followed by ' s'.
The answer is 12 h 52 min 20 s
